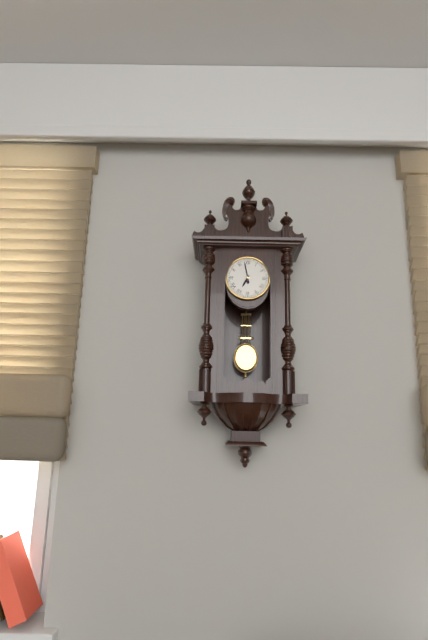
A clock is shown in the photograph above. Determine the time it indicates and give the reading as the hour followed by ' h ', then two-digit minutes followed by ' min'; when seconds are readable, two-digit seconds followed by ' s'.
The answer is 6 h 58 min
